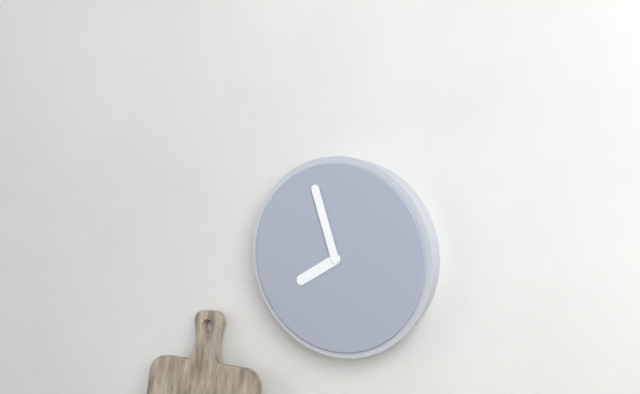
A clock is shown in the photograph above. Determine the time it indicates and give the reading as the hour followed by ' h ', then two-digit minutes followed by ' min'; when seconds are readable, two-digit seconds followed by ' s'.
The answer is 7 h 57 min
